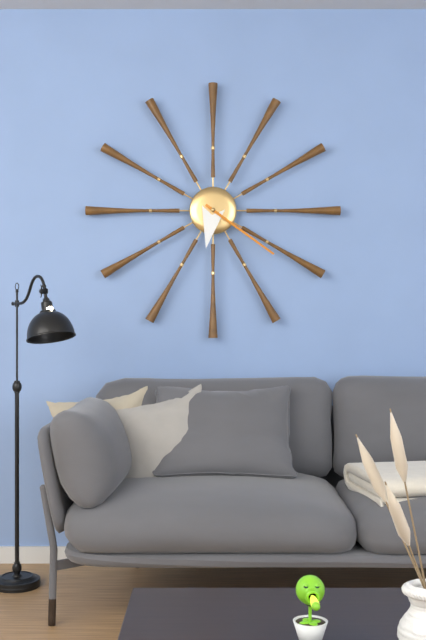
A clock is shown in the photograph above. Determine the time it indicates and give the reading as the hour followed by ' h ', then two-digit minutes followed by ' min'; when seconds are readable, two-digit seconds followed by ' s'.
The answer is 6 h 21 min
